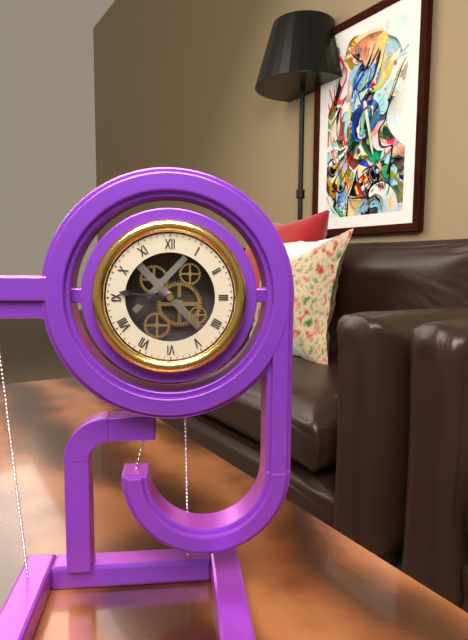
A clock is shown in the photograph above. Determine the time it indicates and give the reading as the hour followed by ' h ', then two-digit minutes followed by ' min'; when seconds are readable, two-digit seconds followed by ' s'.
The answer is 8 h 46 min
